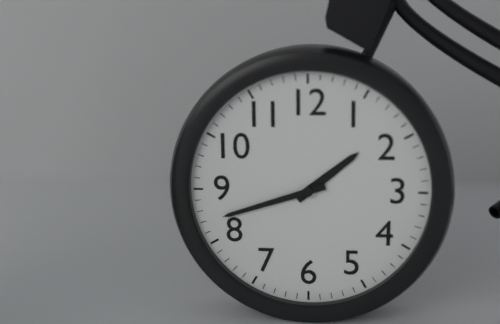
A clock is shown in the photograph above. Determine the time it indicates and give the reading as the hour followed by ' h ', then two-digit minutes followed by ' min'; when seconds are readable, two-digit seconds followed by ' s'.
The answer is 1 h 42 min
